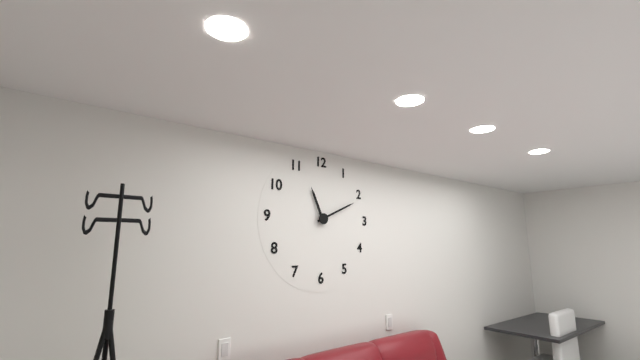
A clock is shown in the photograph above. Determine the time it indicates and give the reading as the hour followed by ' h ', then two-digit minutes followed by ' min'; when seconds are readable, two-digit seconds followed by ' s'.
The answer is 11 h 11 min
